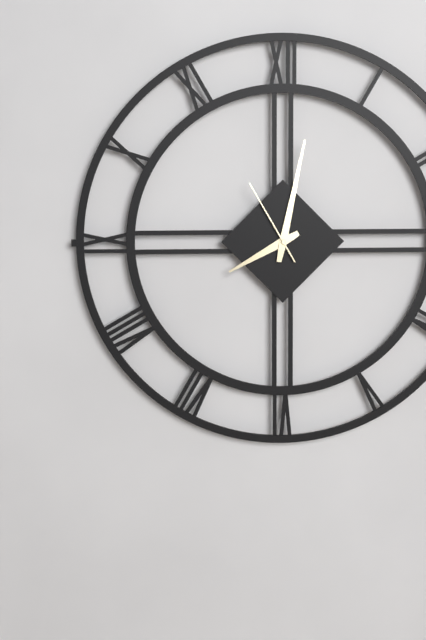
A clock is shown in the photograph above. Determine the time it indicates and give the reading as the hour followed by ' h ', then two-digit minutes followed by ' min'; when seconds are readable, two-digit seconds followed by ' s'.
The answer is 8 h 02 min 55 s
